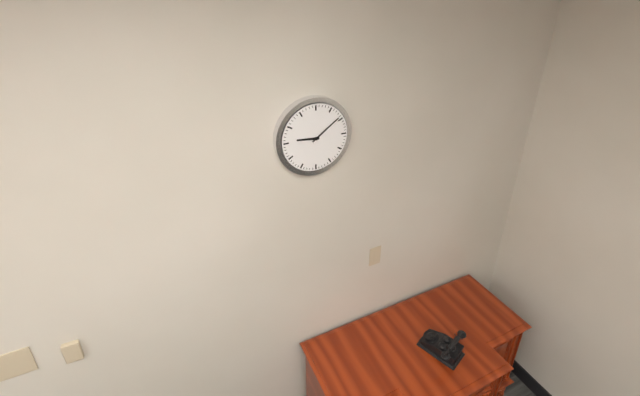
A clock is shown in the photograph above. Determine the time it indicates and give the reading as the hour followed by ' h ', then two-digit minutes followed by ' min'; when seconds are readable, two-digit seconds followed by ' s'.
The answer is 9 h 09 min
